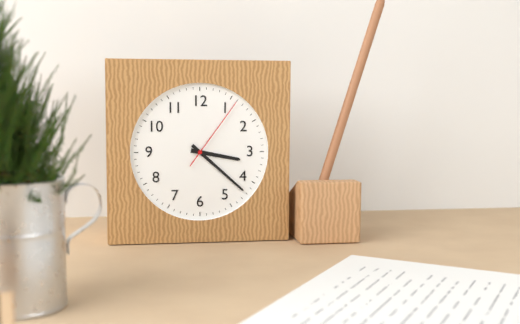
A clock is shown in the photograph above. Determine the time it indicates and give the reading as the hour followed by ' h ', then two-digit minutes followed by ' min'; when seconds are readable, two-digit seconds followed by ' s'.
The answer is 3 h 22 min 06 s
